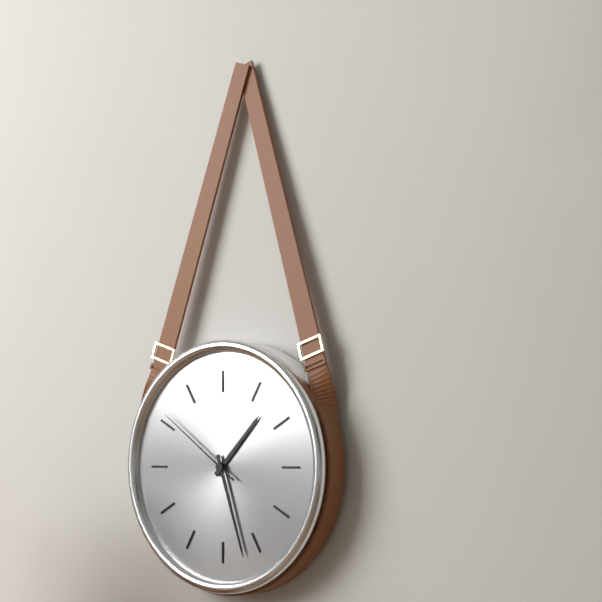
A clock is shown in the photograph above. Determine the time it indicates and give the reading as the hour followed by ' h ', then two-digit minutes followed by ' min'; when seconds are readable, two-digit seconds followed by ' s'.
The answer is 1 h 27 min 51 s
